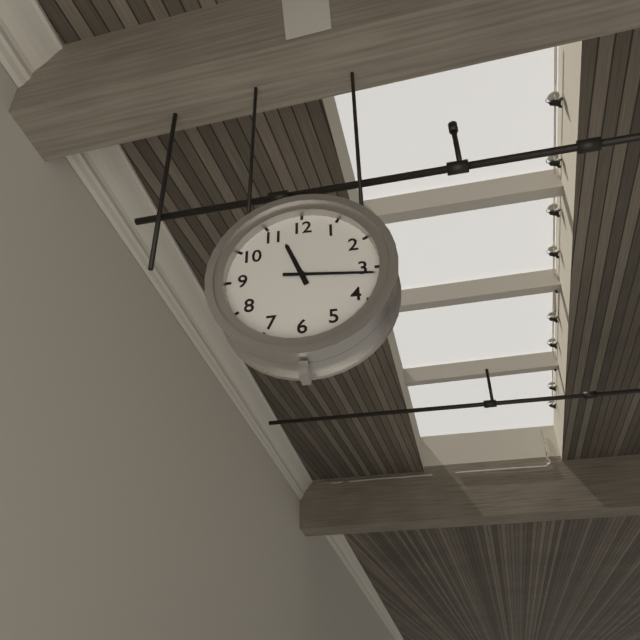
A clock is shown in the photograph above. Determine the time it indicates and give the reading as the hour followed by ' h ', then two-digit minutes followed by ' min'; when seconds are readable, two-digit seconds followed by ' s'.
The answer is 11 h 16 min
